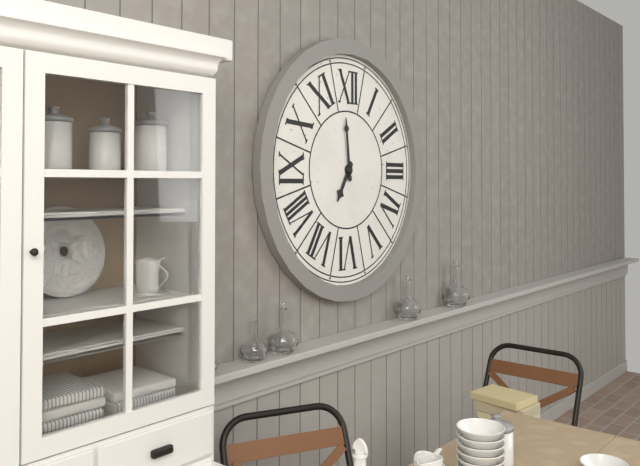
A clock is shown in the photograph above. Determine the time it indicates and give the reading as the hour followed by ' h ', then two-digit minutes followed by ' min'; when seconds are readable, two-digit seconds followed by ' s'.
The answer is 6 h 59 min
